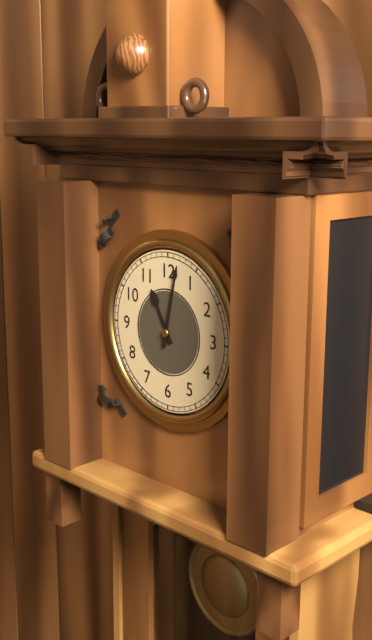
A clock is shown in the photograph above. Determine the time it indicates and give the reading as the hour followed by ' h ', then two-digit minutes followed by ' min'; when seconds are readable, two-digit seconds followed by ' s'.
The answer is 11 h 02 min
